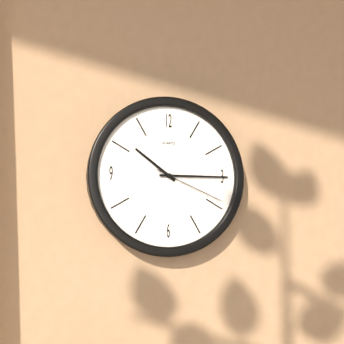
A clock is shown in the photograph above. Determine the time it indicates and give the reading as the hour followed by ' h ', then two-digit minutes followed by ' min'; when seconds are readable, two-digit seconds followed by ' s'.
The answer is 10 h 15 min 19 s
